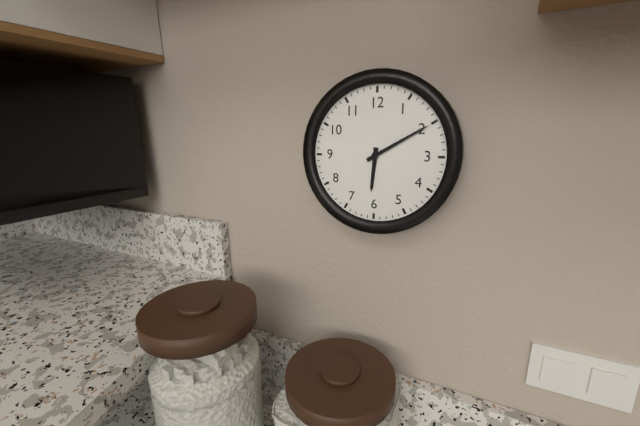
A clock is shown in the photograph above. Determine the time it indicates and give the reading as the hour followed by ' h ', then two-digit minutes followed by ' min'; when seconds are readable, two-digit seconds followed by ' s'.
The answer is 6 h 10 min
